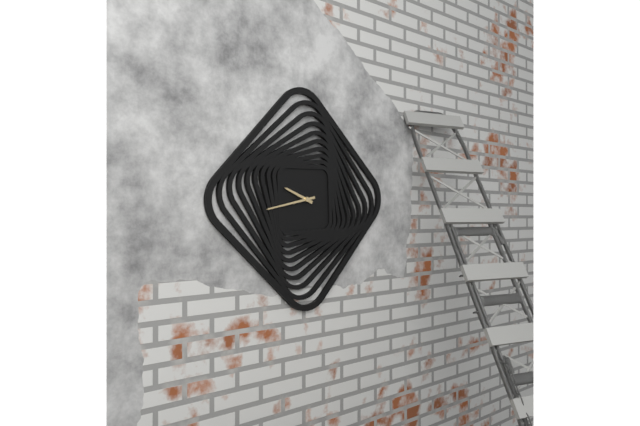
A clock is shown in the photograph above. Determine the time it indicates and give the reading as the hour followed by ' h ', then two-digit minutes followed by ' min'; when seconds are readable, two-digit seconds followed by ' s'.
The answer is 9 h 43 min
